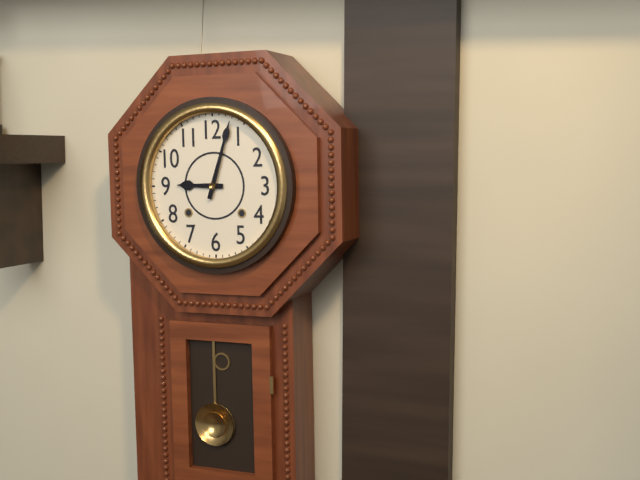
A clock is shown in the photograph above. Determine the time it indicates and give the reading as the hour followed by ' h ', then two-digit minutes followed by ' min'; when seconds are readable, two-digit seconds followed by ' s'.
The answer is 9 h 03 min
